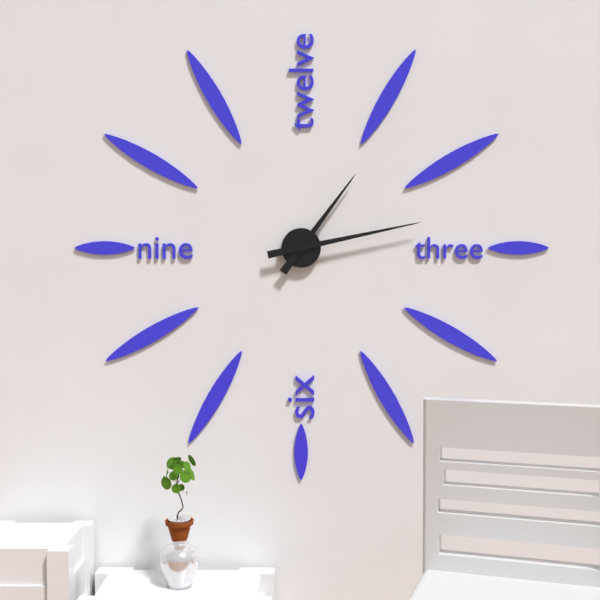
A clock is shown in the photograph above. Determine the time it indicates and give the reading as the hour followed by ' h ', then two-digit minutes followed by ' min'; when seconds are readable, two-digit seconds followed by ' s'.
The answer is 1 h 13 min
